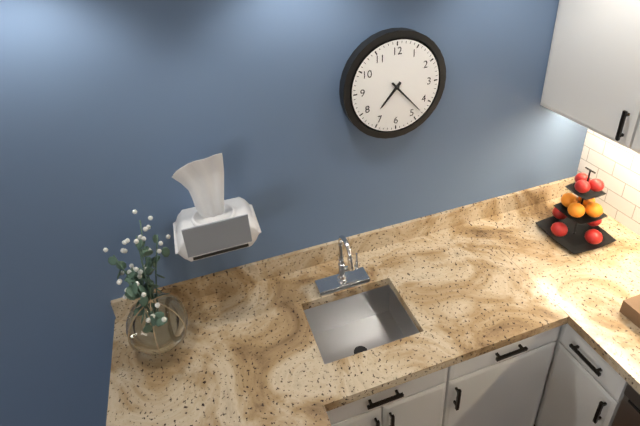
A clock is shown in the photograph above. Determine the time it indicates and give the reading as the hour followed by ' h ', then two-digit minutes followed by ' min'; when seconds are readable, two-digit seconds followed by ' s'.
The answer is 7 h 23 min
